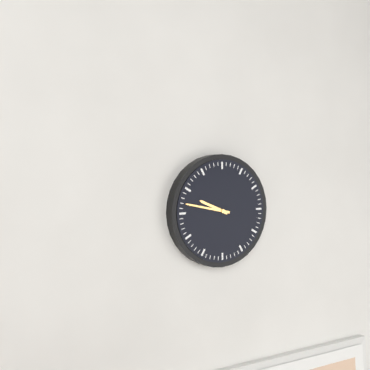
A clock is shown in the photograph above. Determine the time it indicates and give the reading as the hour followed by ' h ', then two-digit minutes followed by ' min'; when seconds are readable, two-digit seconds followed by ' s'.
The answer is 9 h 47 min
